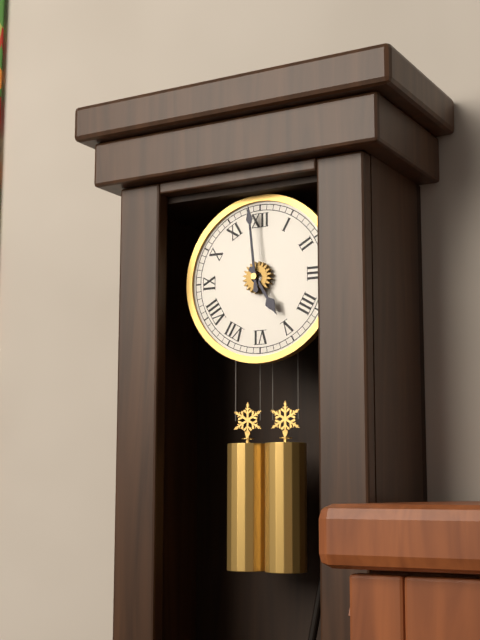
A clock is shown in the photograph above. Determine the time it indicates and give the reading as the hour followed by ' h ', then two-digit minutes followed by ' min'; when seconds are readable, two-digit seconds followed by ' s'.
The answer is 4 h 59 min
